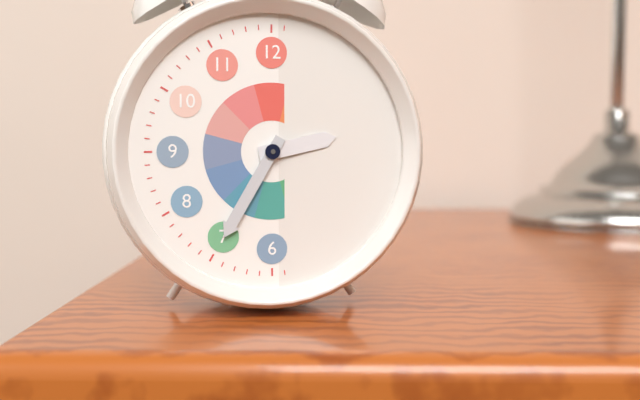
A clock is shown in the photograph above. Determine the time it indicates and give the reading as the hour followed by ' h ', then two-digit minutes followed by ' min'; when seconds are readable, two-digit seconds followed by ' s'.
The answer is 2 h 35 min
